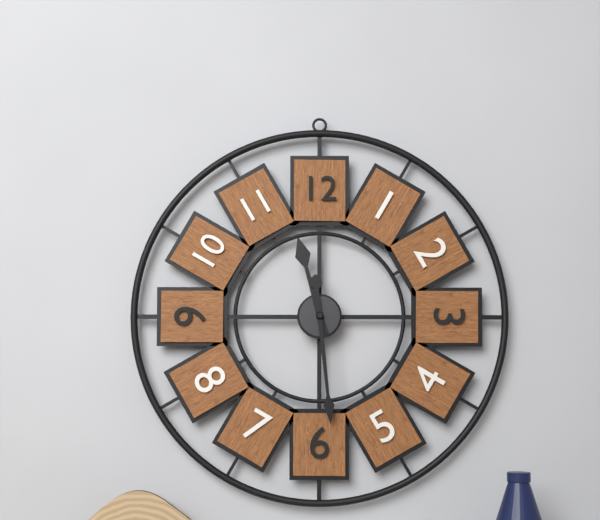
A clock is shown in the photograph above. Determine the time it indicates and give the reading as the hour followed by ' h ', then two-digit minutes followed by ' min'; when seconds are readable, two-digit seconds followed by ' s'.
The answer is 11 h 29 min
